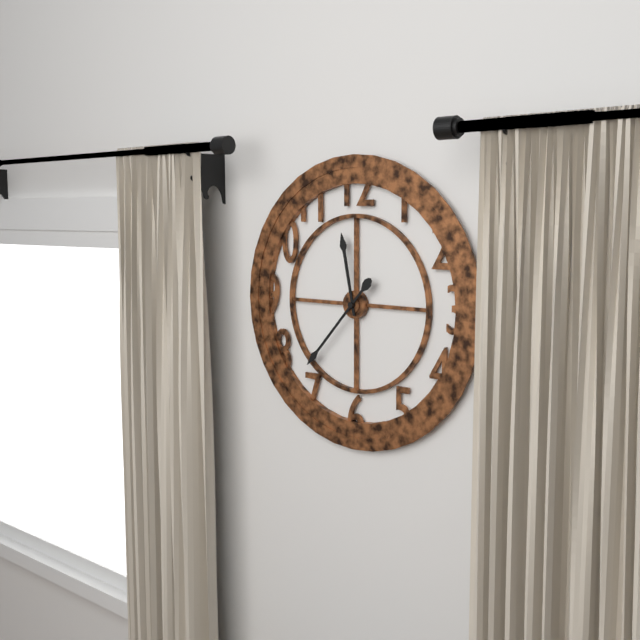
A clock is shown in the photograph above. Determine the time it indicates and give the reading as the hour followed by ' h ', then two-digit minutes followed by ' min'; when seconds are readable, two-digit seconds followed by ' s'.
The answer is 11 h 37 min
